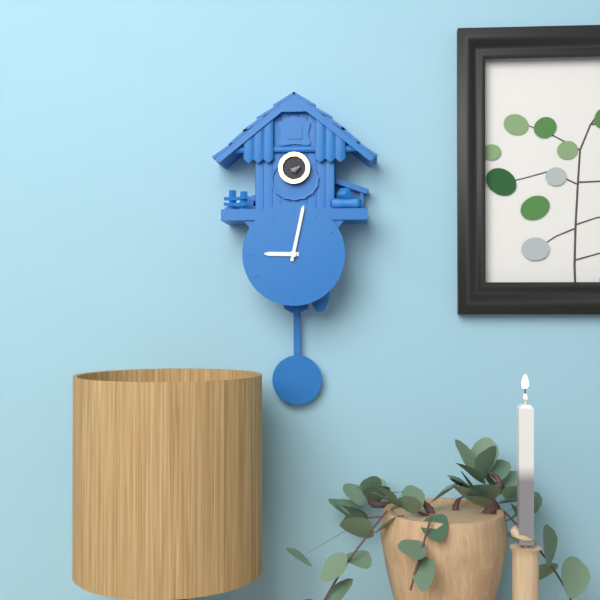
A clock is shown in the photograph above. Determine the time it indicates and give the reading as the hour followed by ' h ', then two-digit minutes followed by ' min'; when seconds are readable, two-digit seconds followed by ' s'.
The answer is 9 h 02 min
